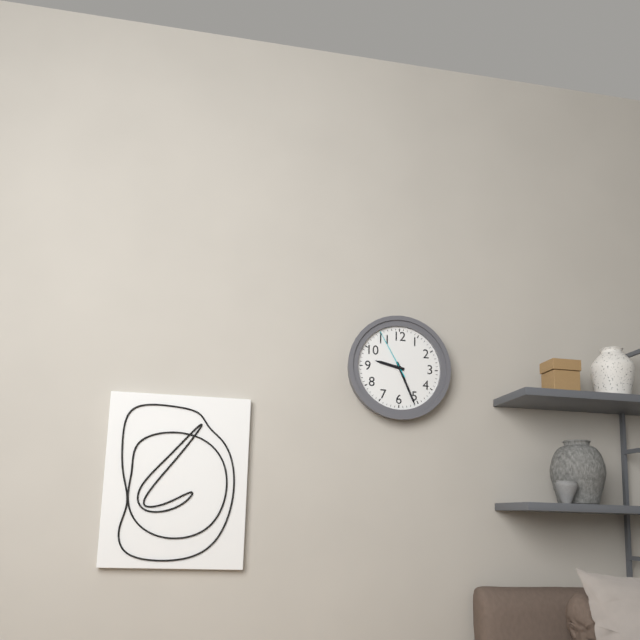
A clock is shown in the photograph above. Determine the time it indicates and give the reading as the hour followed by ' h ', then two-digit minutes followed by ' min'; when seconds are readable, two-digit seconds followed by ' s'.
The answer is 9 h 26 min 55 s
